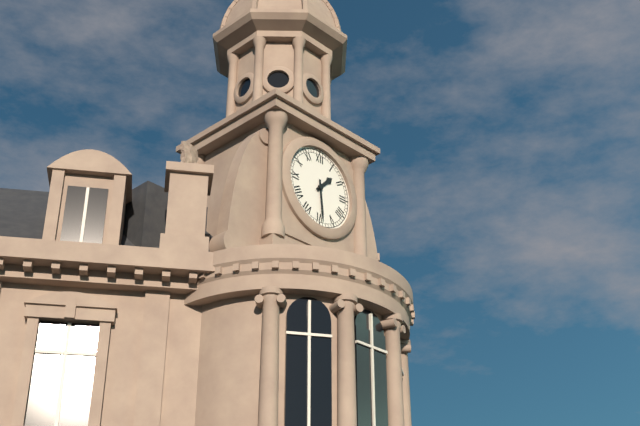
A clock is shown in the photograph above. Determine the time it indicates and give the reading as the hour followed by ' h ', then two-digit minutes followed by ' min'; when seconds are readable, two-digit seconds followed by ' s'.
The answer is 1 h 29 min
